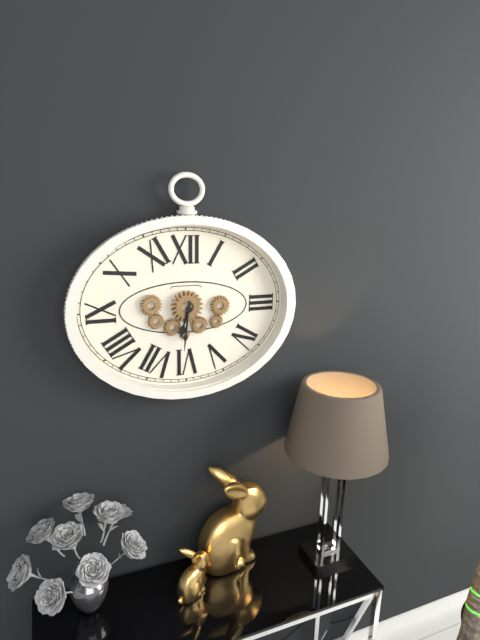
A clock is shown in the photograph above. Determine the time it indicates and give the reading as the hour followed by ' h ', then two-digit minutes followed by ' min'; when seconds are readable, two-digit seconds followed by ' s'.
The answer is 6 h 31 min
